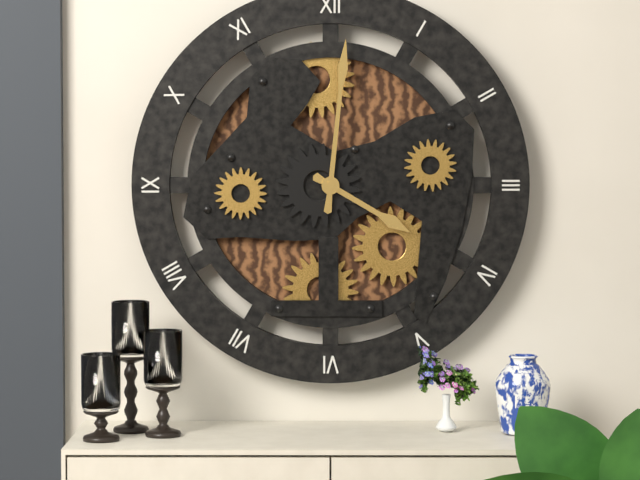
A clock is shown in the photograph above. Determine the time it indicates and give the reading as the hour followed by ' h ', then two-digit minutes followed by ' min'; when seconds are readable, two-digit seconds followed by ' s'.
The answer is 4 h 01 min
